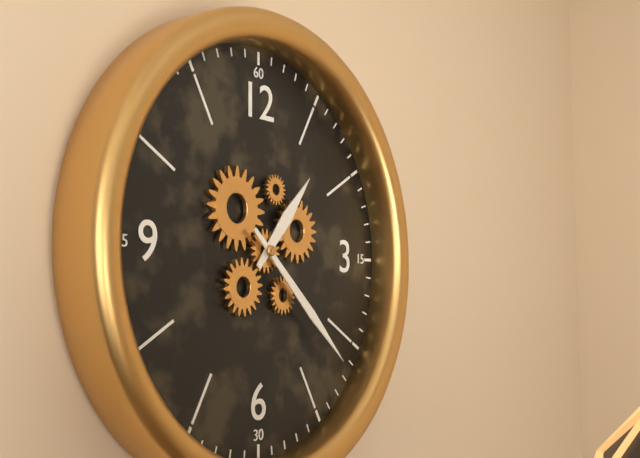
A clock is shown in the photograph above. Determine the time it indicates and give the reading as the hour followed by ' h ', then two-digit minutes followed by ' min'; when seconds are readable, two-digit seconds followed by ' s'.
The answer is 1 h 22 min
